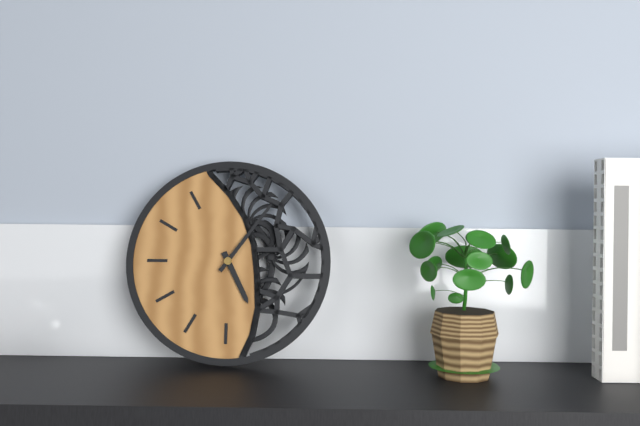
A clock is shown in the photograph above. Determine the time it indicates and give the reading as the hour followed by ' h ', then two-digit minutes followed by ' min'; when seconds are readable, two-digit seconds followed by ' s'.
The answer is 5 h 06 min
